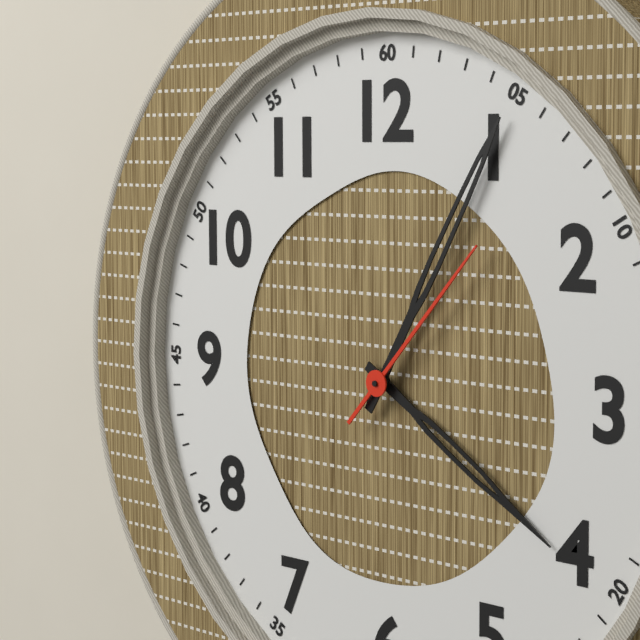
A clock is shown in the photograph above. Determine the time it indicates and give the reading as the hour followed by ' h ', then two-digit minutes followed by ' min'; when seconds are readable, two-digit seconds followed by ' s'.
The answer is 4 h 05 min 07 s
